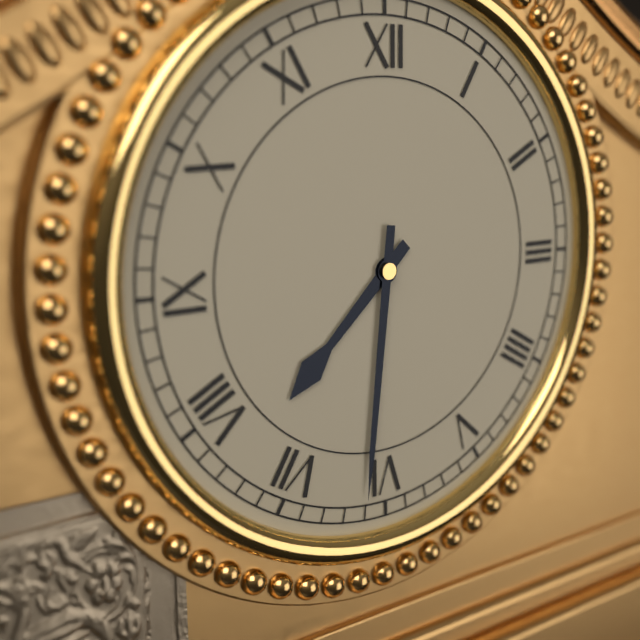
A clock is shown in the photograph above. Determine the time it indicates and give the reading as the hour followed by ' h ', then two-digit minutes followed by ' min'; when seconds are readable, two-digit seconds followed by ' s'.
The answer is 7 h 31 min
